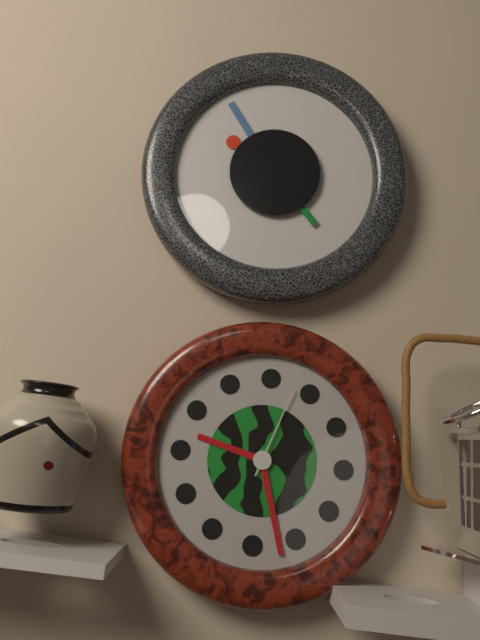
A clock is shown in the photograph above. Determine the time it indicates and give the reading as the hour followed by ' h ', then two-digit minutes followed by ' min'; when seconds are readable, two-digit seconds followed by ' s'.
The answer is 9 h 27 min 03 s
